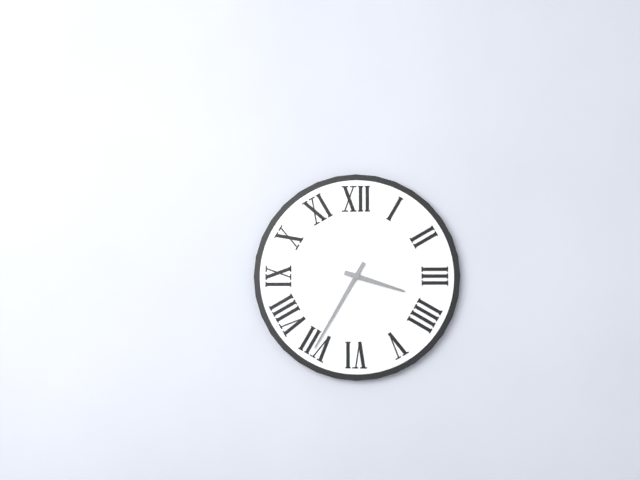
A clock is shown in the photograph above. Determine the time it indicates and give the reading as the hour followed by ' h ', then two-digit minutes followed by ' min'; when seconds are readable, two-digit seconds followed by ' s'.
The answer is 3 h 35 min
